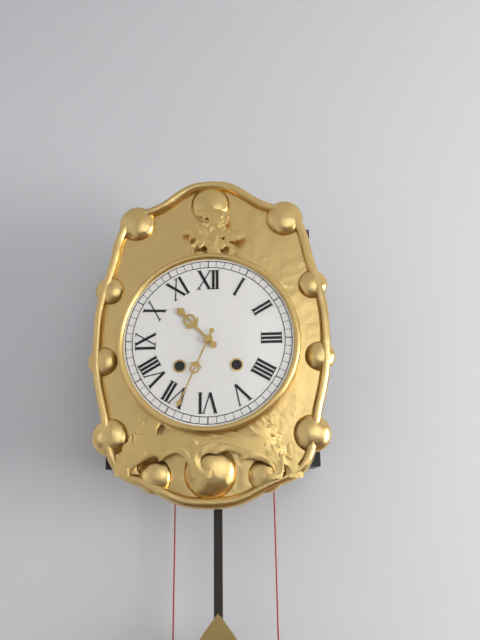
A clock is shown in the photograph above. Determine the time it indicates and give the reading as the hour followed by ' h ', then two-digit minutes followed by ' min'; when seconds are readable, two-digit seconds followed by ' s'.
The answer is 10 h 34 min
